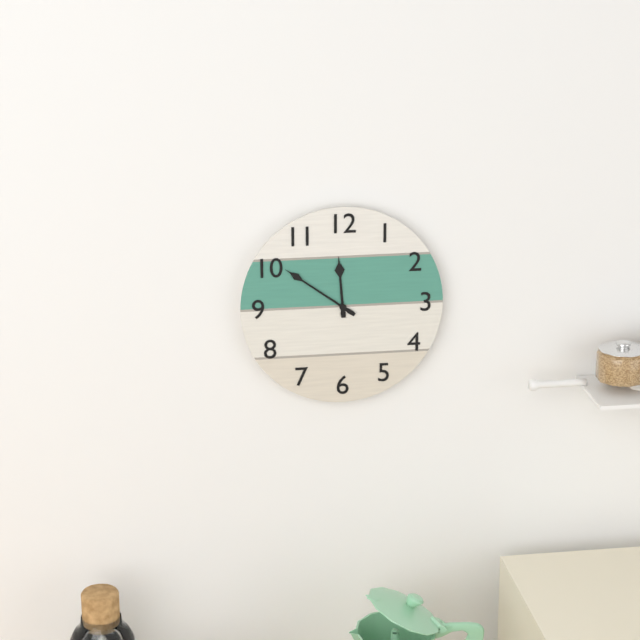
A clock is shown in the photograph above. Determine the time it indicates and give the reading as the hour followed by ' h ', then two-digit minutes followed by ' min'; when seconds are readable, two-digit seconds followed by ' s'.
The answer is 11 h 51 min
